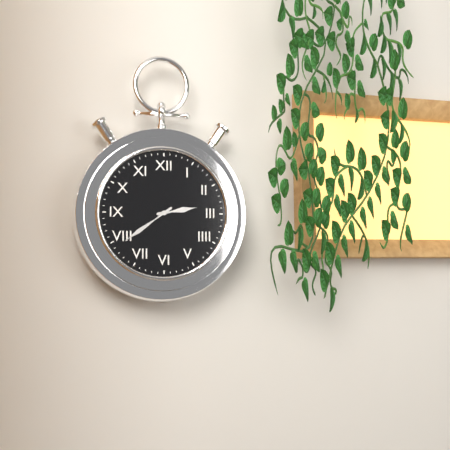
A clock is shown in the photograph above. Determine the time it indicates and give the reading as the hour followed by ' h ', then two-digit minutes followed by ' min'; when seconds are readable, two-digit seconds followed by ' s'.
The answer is 2 h 39 min
